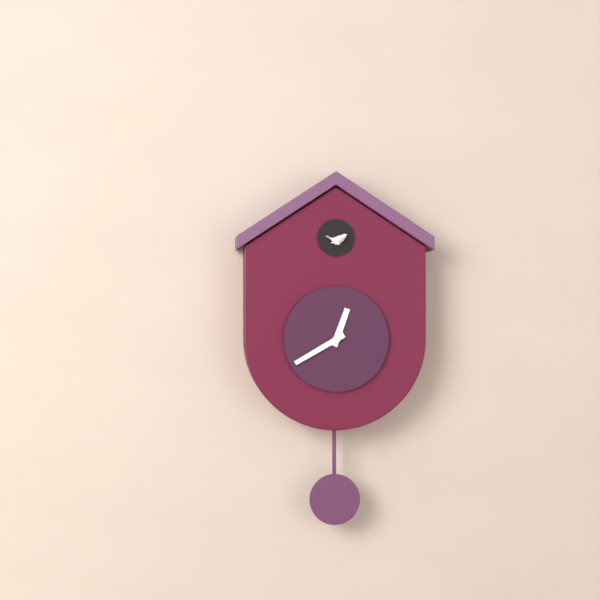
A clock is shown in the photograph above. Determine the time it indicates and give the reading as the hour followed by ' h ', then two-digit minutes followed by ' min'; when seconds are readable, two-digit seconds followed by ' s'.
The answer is 12 h 40 min
